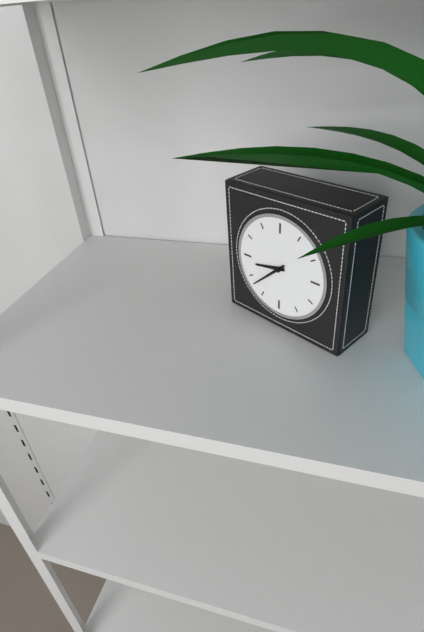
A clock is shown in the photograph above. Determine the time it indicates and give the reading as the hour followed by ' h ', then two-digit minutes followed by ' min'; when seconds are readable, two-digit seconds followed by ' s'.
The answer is 8 h 38 min
